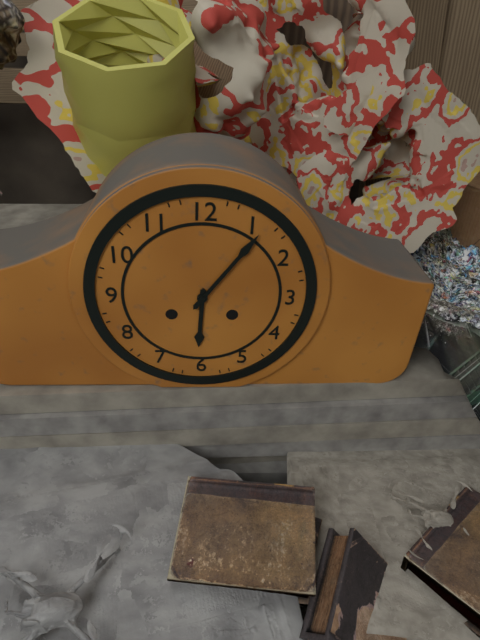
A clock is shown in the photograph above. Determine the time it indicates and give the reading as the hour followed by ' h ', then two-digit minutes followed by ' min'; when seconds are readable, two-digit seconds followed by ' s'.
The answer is 6 h 06 min
